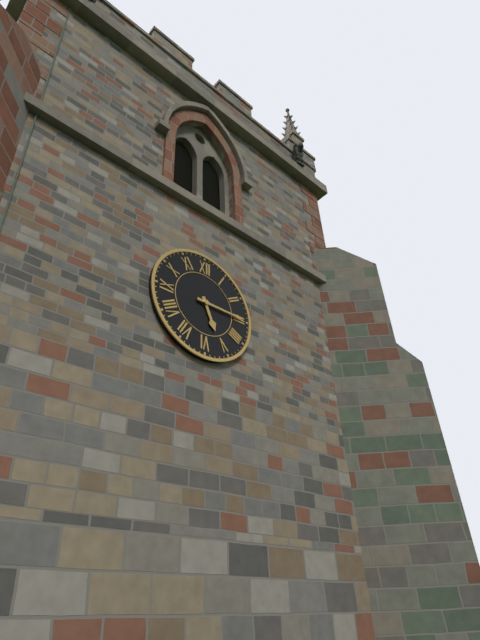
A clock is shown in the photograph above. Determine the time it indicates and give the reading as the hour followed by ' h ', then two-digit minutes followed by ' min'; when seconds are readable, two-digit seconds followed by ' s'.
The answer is 5 h 15 min
